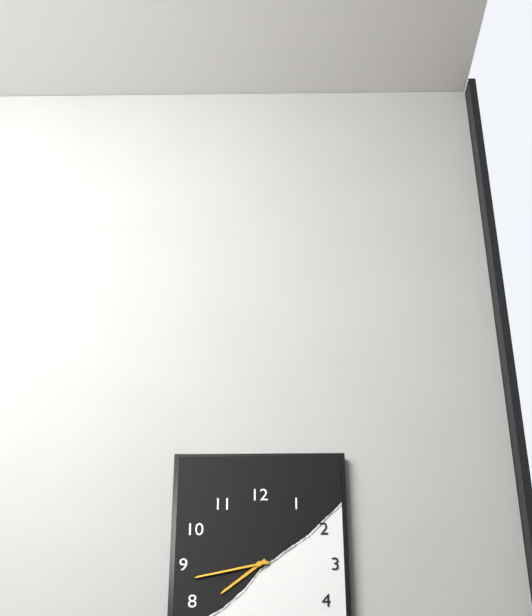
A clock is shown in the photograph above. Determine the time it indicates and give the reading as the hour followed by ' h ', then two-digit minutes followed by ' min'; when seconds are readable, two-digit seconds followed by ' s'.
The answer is 7 h 43 min
